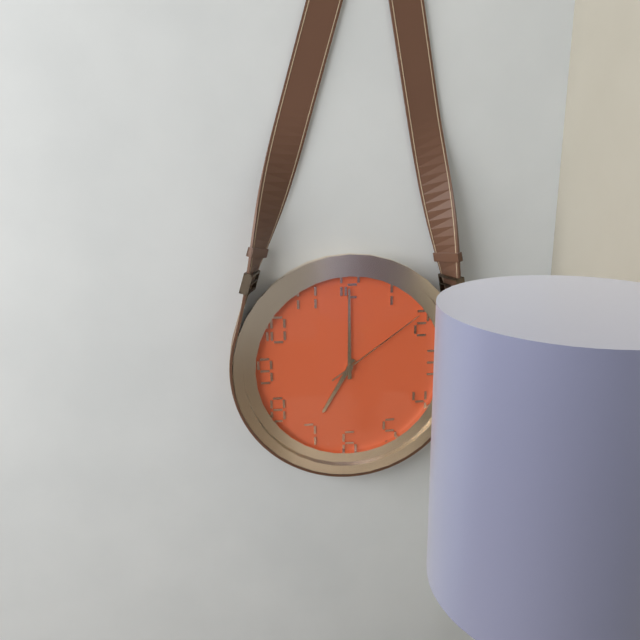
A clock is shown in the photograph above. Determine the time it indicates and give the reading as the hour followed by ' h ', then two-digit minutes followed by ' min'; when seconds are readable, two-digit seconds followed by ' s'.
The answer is 7 h 00 min 09 s
